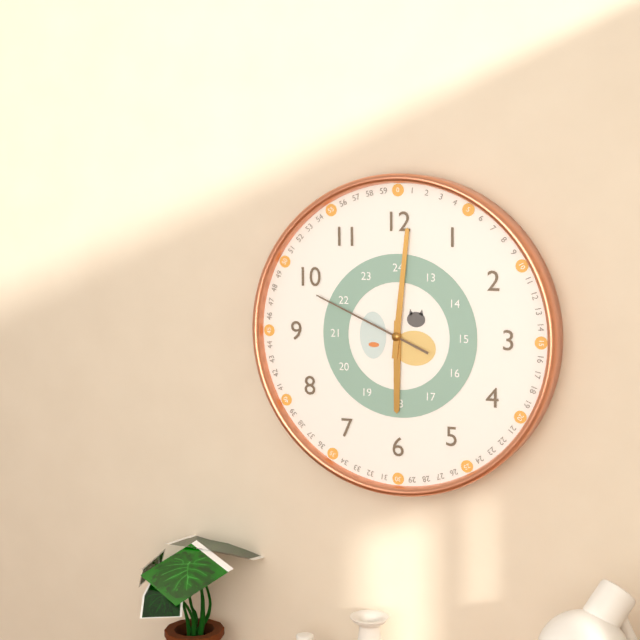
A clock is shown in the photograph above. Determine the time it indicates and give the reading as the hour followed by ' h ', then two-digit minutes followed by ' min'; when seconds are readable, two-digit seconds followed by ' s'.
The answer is 6 h 01 min 49 s
